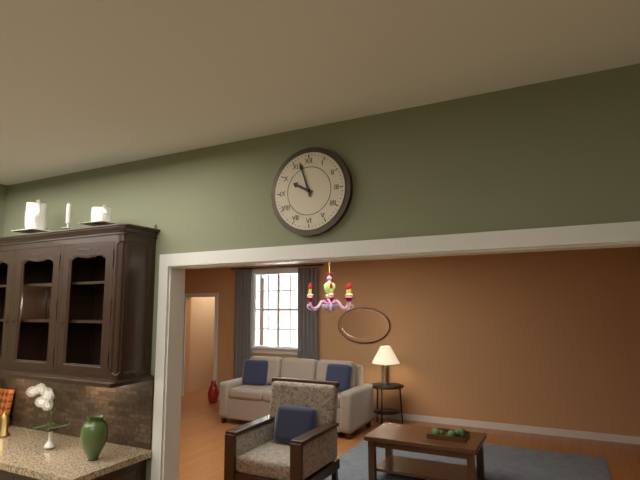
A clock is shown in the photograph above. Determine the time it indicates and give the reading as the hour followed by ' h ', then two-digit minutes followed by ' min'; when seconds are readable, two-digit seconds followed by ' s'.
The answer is 9 h 57 min
